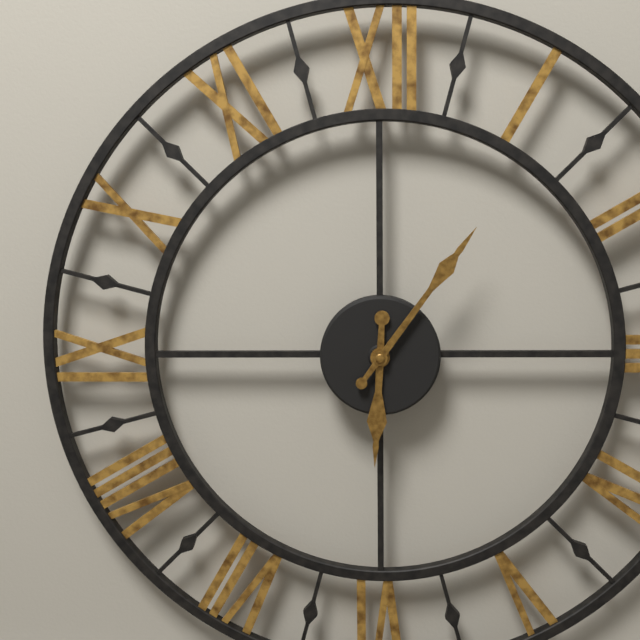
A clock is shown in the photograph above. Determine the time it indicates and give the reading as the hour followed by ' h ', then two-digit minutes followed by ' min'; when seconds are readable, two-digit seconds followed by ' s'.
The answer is 6 h 06 min
